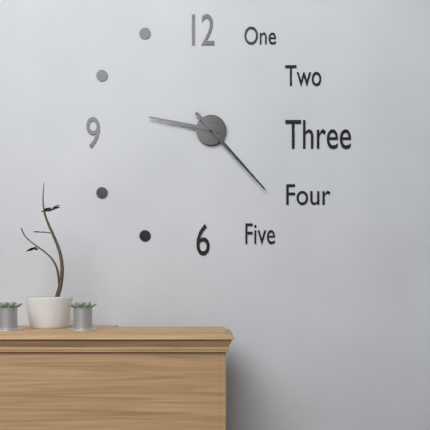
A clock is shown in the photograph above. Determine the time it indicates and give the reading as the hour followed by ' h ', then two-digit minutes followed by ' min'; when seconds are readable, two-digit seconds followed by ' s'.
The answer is 9 h 23 min
